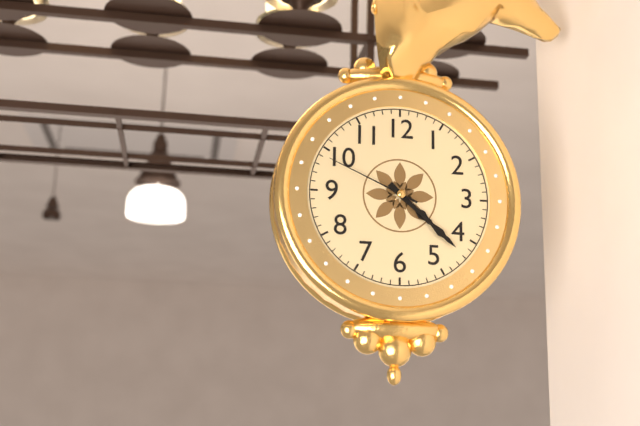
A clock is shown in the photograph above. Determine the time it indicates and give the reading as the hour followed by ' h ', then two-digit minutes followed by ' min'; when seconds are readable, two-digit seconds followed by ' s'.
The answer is 4 h 22 min 49 s
